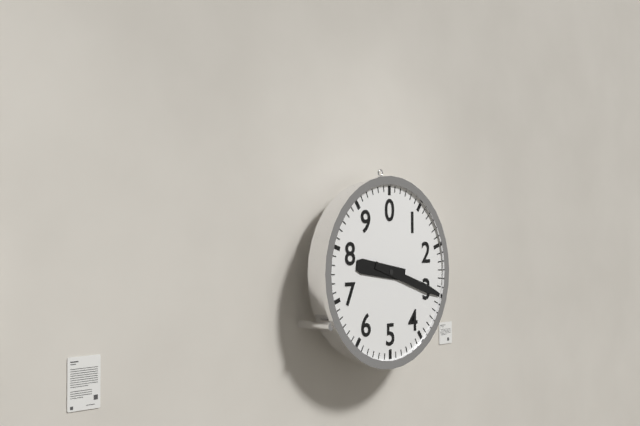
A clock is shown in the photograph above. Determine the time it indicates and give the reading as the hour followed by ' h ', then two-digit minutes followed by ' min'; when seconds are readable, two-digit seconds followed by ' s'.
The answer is 9 h 18 min
